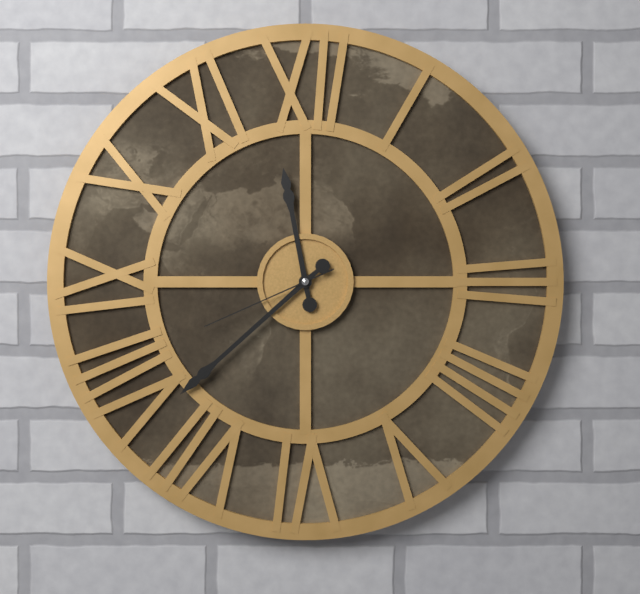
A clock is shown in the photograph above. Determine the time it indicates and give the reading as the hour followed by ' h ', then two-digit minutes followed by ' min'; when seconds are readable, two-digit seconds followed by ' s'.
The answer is 11 h 38 min 41 s
